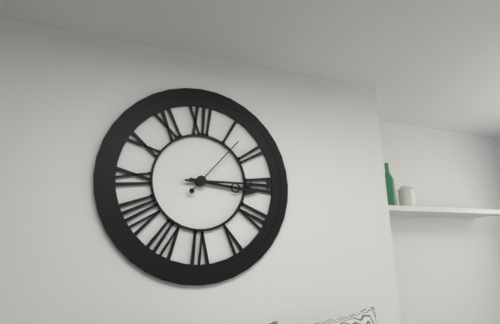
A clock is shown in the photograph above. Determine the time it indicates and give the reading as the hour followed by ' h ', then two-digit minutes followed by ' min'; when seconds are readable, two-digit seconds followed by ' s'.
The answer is 3 h 15 min 07 s
